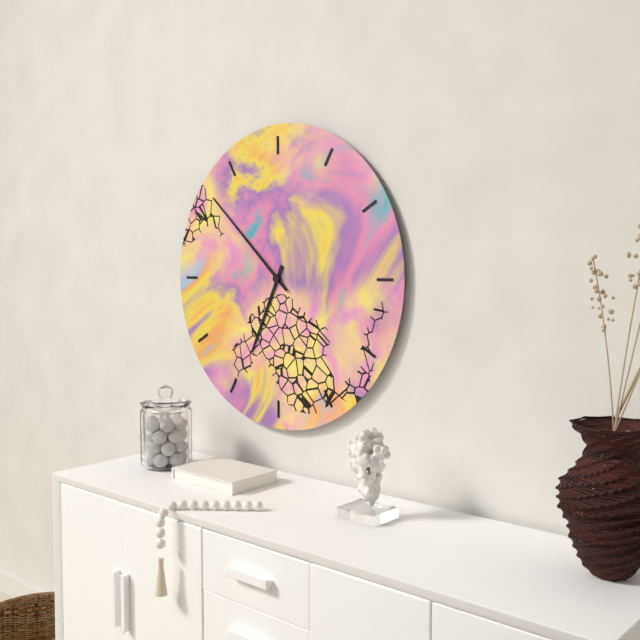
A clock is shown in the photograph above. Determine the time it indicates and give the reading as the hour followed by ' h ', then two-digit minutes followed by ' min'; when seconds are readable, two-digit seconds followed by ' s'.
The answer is 6 h 52 min
